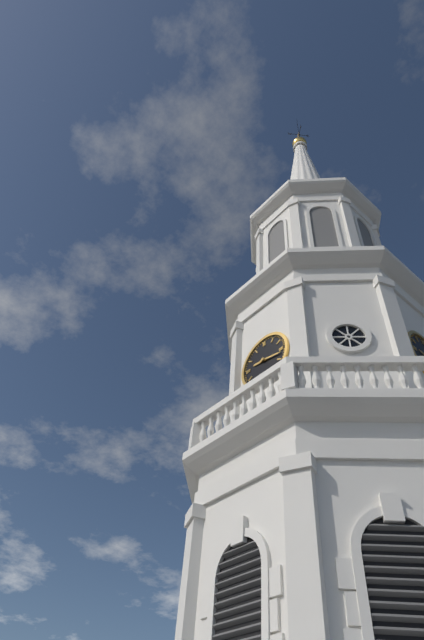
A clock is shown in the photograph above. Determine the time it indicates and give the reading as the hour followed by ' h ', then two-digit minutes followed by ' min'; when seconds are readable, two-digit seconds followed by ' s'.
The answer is 9 h 17 min
